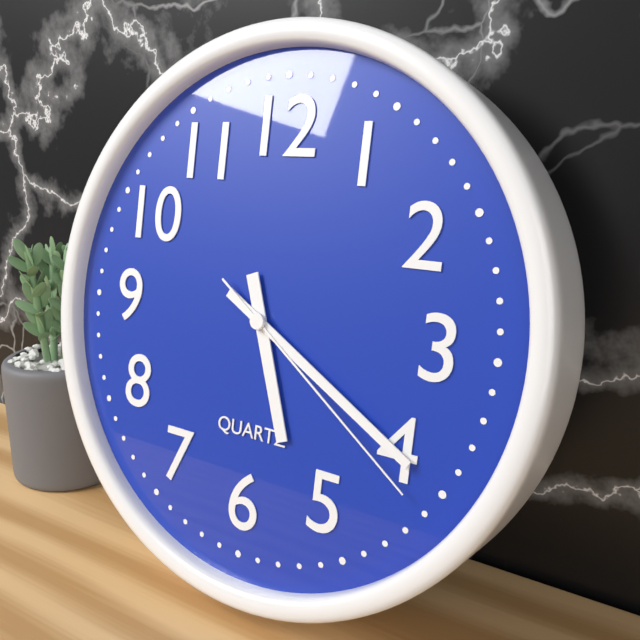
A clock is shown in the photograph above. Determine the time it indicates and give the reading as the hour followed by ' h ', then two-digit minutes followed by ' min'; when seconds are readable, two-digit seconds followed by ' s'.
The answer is 5 h 20 min 21 s
